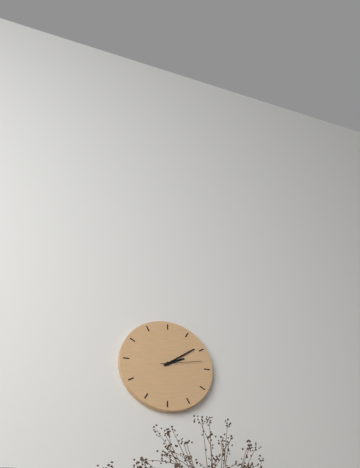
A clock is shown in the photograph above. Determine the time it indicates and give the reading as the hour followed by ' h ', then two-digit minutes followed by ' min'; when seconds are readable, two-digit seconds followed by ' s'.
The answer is 2 h 09 min
